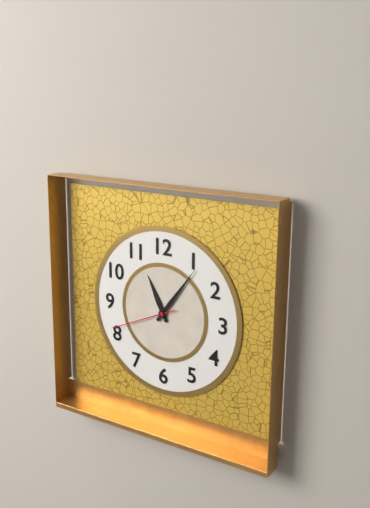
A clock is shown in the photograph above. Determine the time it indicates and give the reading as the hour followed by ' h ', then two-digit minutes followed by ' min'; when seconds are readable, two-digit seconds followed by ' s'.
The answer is 11 h 06 min 41 s
